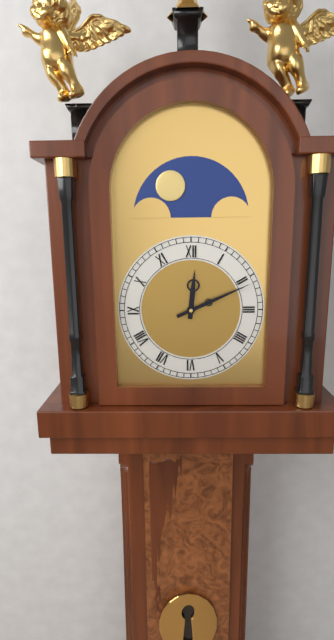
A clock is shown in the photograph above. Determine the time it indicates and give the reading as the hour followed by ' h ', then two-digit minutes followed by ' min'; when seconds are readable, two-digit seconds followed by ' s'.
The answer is 12 h 11 min
